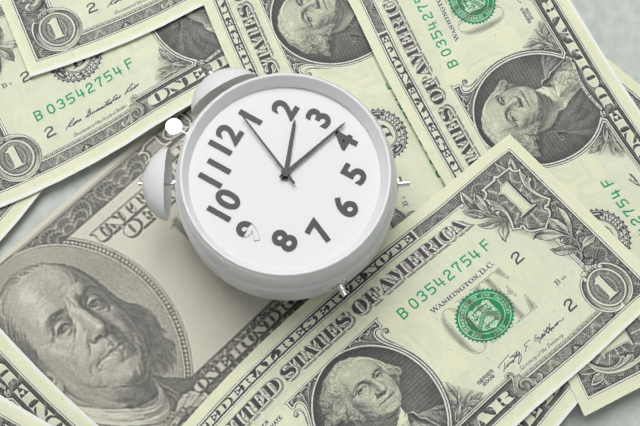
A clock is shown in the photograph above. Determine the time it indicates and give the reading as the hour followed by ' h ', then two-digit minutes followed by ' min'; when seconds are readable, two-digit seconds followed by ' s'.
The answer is 2 h 18 min 04 s
